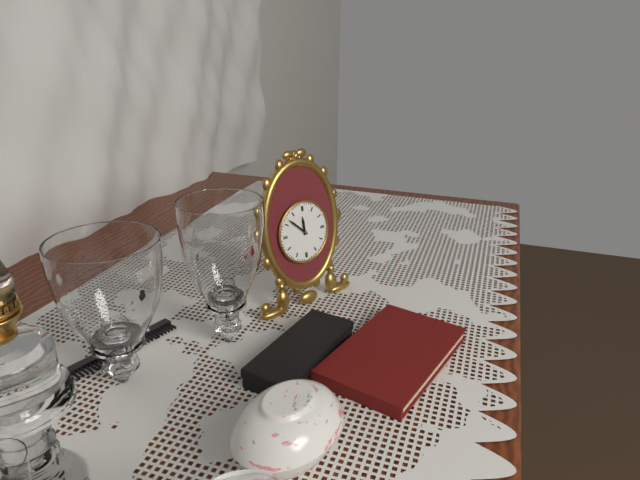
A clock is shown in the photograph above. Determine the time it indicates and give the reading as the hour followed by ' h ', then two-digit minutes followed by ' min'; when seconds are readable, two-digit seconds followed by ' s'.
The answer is 11 h 52 min
